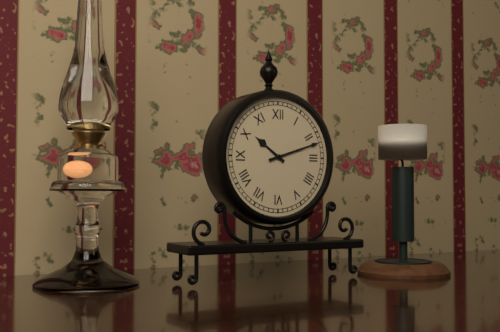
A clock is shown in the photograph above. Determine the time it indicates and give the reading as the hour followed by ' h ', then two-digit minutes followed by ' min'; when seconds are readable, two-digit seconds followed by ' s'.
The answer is 10 h 12 min
